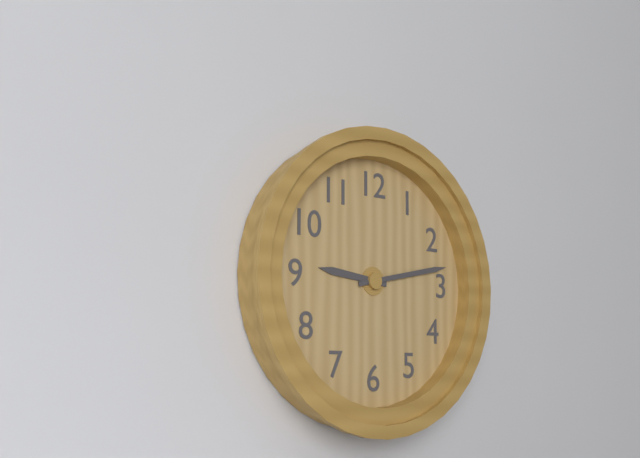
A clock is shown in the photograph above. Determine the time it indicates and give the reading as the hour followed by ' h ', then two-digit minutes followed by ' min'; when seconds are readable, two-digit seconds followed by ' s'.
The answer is 9 h 13 min
